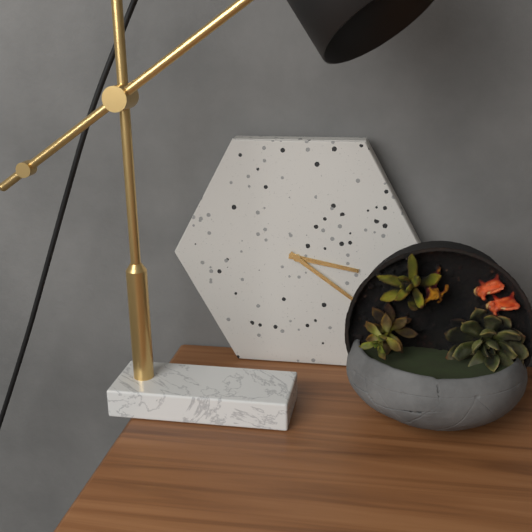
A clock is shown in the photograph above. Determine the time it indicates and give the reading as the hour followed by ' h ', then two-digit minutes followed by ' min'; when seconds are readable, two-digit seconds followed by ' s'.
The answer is 3 h 21 min
